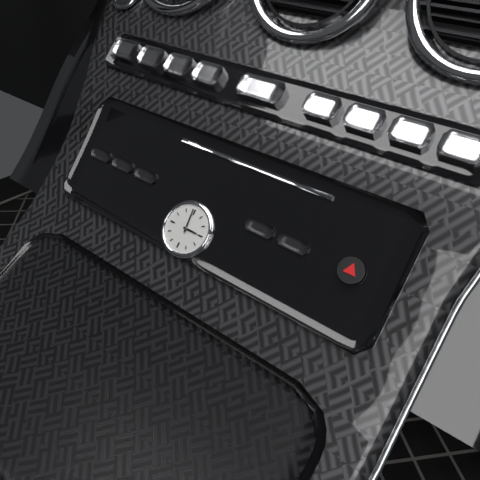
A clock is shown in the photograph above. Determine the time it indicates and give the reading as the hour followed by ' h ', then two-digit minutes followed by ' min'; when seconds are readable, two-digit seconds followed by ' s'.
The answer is 2 h 59 min
